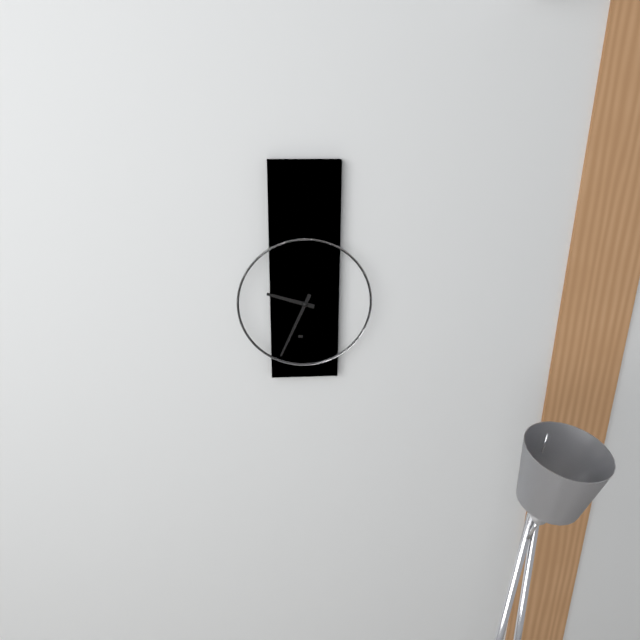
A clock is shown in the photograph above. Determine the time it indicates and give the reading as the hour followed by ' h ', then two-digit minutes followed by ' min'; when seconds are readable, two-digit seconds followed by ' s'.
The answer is 9 h 34 min
